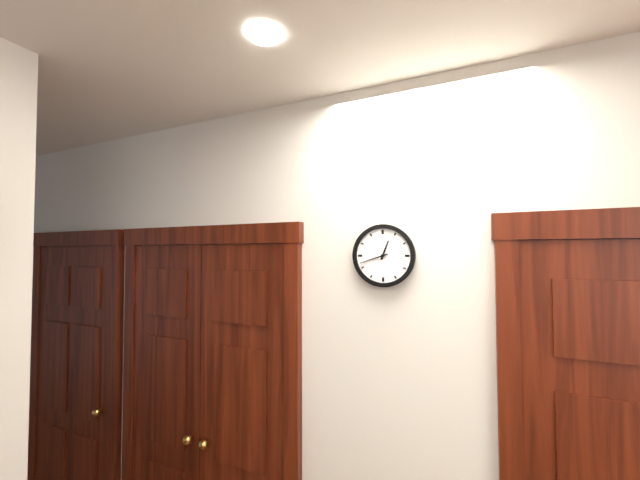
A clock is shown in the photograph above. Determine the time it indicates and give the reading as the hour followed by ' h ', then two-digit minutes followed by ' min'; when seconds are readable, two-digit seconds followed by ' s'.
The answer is 12 h 42 min
